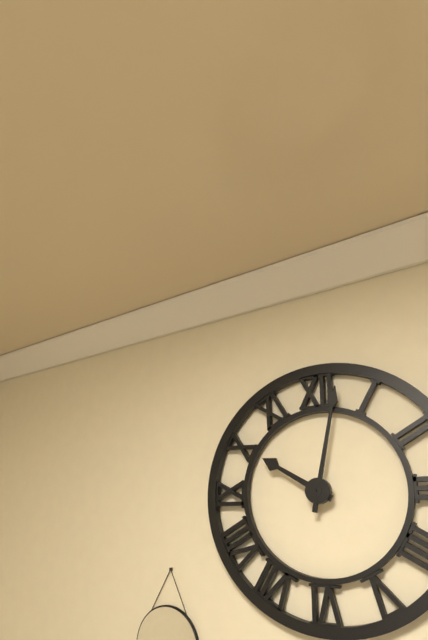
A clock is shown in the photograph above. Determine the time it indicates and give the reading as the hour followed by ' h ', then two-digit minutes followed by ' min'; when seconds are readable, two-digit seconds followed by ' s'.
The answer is 10 h 02 min
